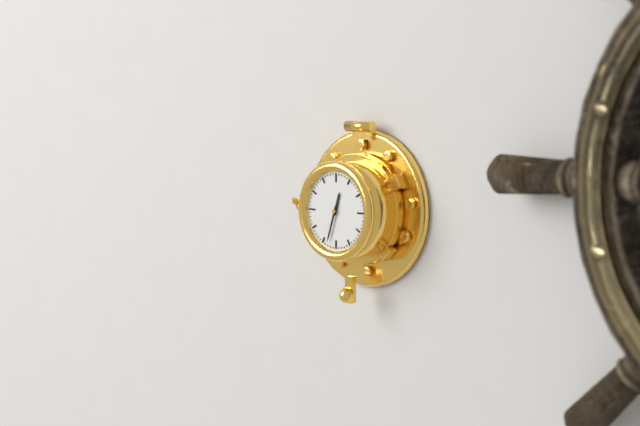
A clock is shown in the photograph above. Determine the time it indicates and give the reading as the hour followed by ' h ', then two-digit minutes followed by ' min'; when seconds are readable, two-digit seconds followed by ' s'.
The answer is 12 h 33 min
